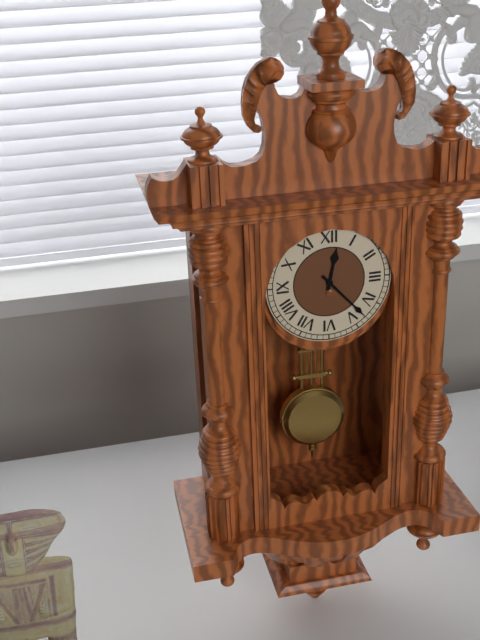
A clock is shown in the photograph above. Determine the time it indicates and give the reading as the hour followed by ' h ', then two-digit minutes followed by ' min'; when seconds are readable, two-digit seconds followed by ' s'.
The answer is 12 h 23 min
